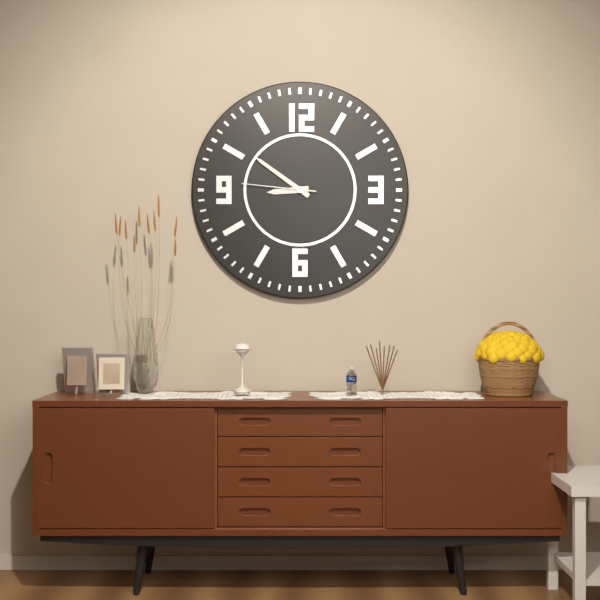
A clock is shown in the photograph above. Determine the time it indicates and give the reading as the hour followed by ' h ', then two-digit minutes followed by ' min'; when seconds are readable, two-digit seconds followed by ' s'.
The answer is 8 h 51 min 46 s
